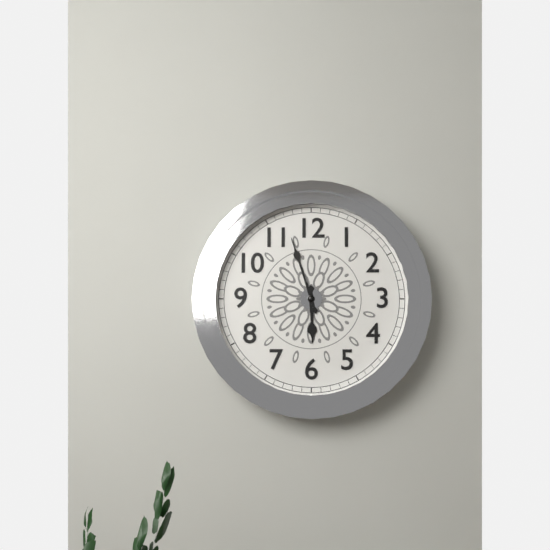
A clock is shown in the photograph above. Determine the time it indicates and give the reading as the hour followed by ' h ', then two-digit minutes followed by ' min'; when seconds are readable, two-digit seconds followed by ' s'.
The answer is 5 h 57 min
